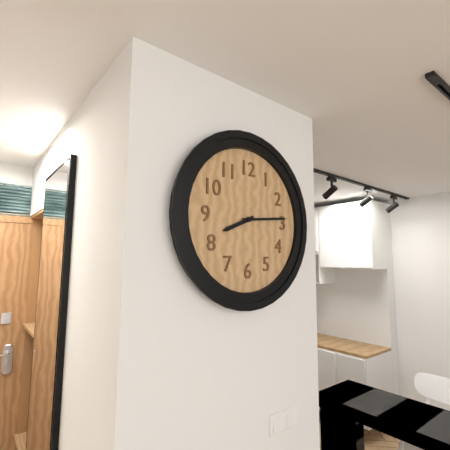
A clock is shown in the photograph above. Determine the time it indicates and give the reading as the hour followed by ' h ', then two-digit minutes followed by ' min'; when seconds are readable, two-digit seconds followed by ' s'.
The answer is 8 h 14 min
